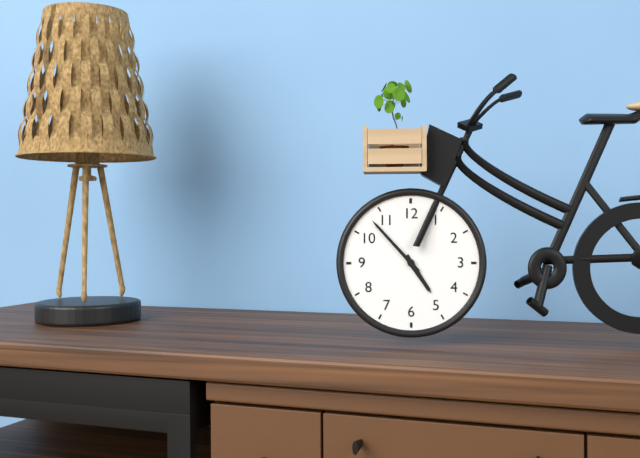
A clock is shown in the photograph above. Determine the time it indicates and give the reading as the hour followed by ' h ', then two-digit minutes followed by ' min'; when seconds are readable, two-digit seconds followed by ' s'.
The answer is 4 h 53 min
